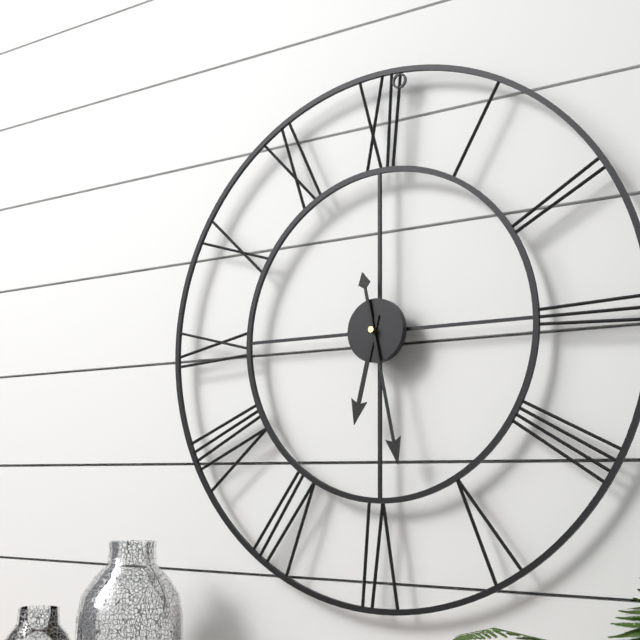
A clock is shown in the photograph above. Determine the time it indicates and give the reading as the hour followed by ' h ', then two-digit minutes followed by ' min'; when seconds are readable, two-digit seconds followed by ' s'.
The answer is 6 h 28 min
